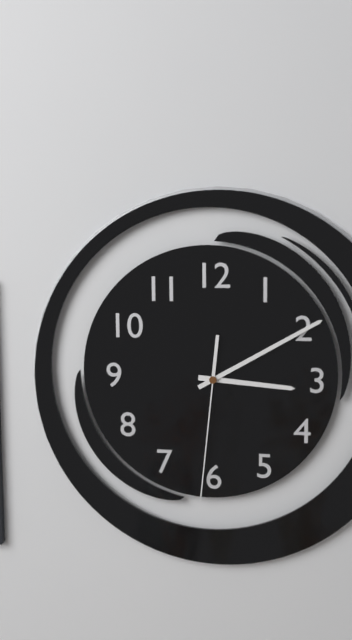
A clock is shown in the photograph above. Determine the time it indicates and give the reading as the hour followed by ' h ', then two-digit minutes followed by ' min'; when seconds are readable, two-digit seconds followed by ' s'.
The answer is 3 h 10 min 31 s
